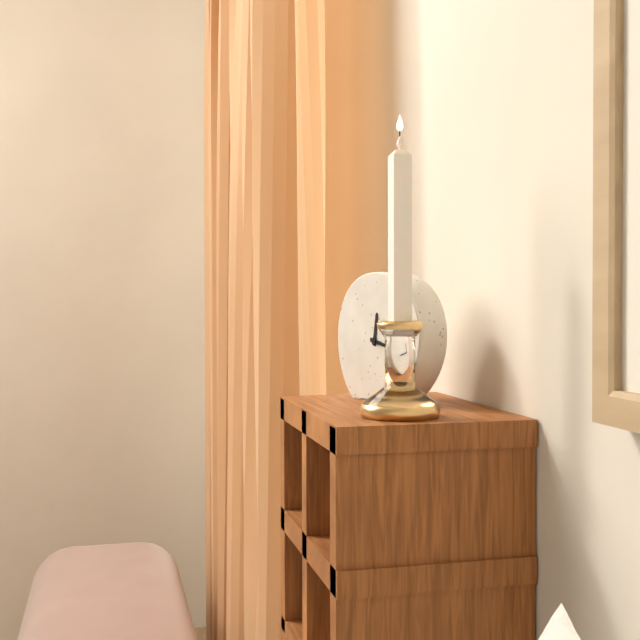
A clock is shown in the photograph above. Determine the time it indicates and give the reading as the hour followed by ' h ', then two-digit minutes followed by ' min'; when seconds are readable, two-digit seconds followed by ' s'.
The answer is 12 h 17 min
